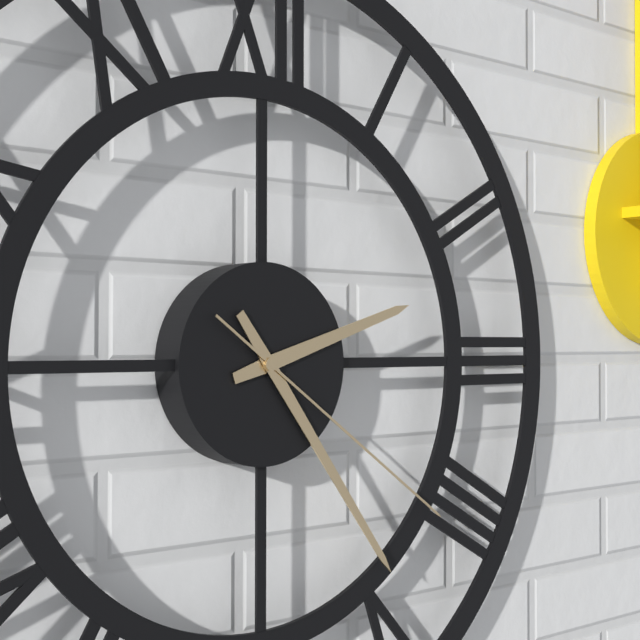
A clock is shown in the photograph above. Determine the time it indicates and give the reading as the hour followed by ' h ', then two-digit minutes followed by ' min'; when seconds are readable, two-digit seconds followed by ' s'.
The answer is 2 h 24 min 21 s
